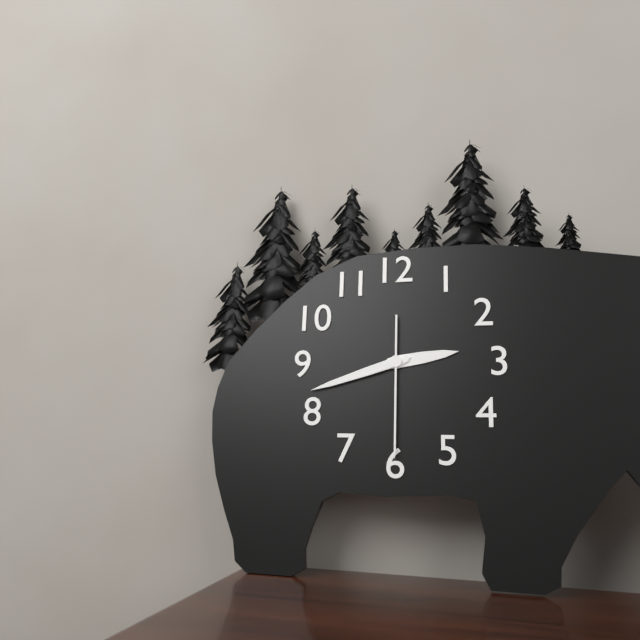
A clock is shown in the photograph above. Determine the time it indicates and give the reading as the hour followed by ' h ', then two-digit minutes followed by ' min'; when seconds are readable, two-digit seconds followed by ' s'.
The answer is 2 h 42 min 30 s
